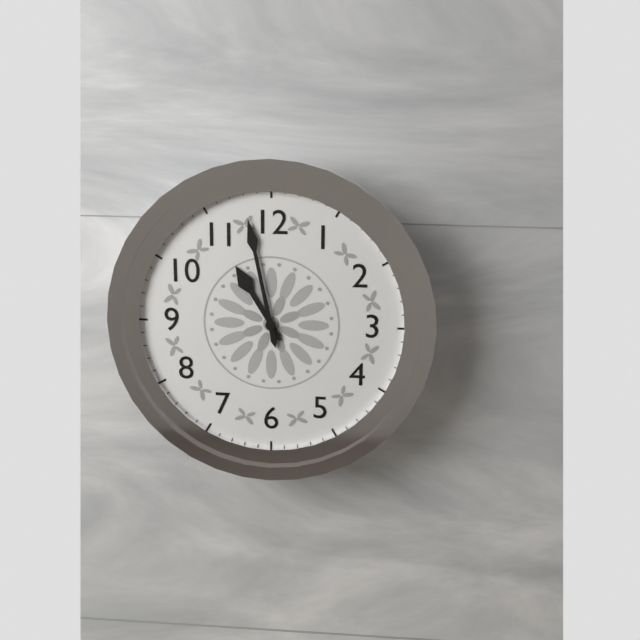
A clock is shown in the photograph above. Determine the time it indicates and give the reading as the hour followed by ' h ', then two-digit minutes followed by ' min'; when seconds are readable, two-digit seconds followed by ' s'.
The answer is 10 h 58 min
